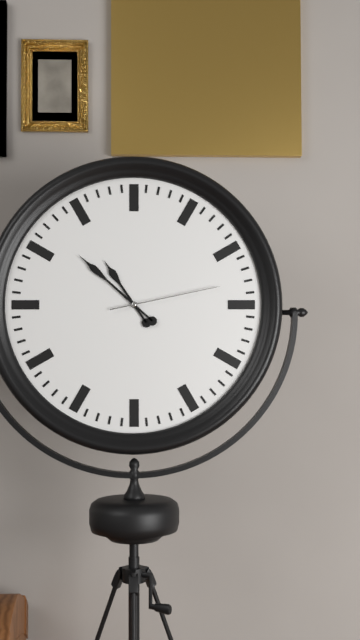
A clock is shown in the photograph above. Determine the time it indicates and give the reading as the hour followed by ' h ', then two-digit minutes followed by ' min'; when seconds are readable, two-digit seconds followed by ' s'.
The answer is 10 h 52 min 13 s
